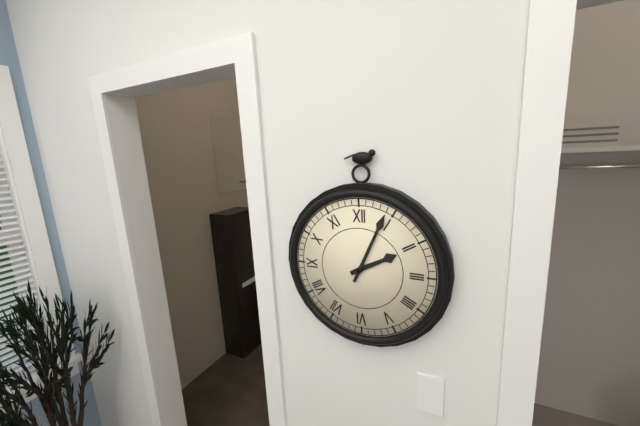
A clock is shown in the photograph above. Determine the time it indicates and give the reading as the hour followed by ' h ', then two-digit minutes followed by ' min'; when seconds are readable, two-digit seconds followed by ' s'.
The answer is 2 h 04 min
